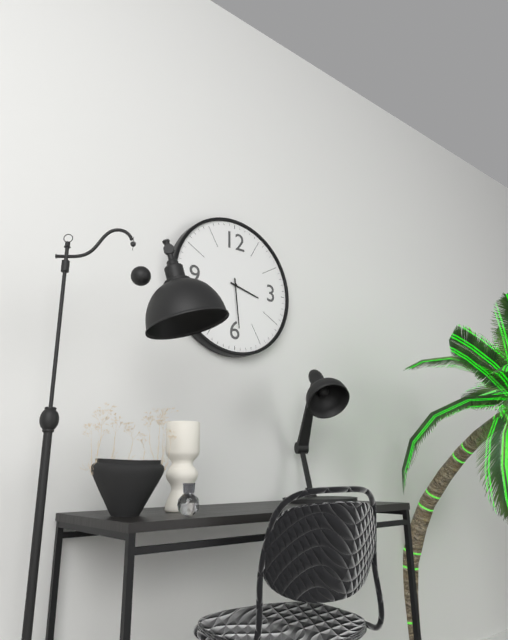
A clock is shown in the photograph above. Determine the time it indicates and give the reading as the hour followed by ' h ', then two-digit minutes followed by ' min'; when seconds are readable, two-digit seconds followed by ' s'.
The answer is 3 h 29 min
